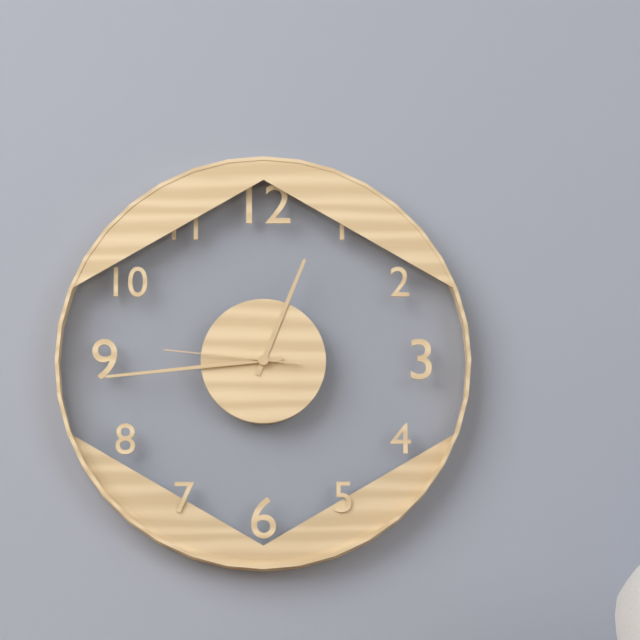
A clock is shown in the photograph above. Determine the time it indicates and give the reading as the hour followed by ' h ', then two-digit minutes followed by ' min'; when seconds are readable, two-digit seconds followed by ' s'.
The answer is 12 h 44 min 46 s
